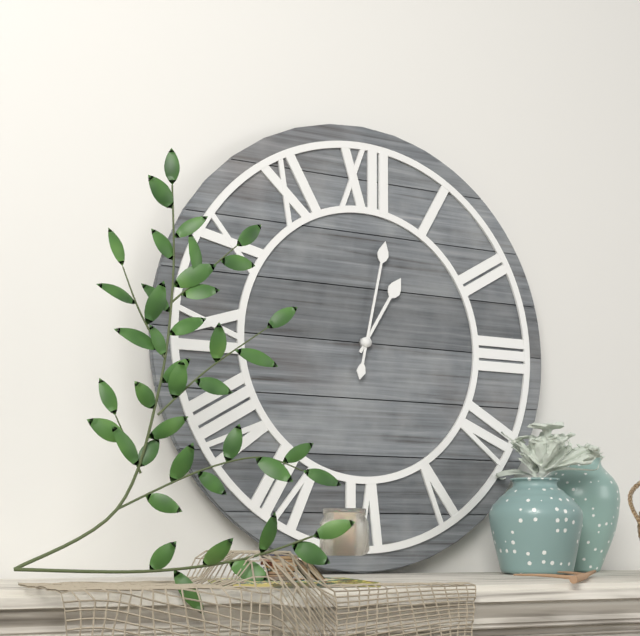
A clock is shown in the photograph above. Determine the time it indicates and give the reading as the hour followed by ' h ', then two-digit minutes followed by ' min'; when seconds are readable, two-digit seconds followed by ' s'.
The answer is 1 h 02 min
